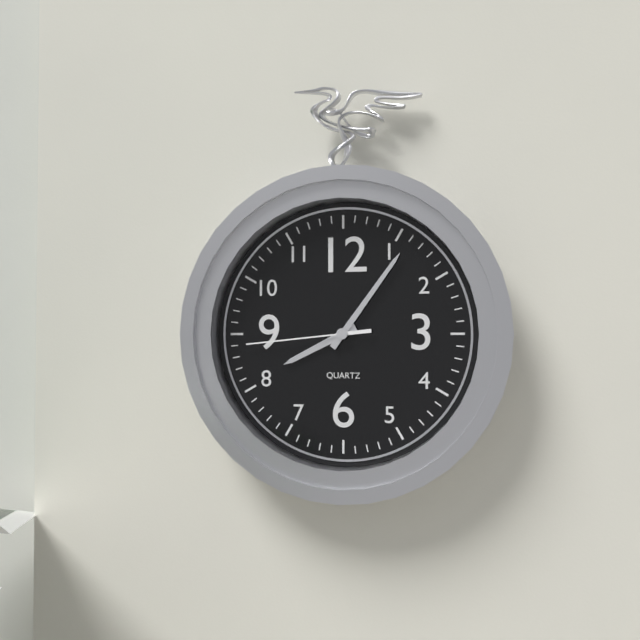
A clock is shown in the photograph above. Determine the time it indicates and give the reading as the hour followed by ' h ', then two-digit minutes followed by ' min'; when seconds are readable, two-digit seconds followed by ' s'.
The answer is 8 h 06 min 44 s
